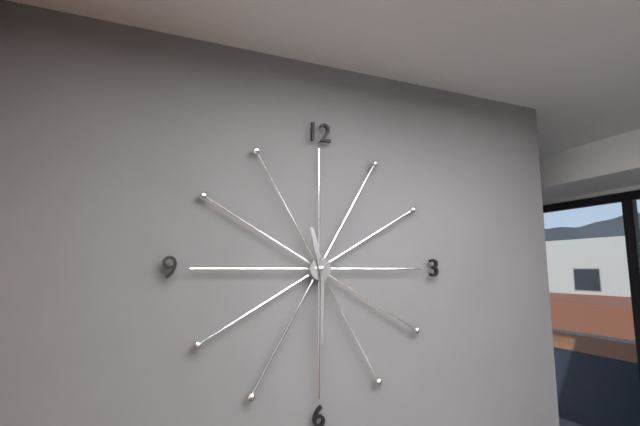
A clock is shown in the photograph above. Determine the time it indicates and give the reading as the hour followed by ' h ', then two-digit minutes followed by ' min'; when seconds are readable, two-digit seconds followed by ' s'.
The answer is 11 h 30 min
